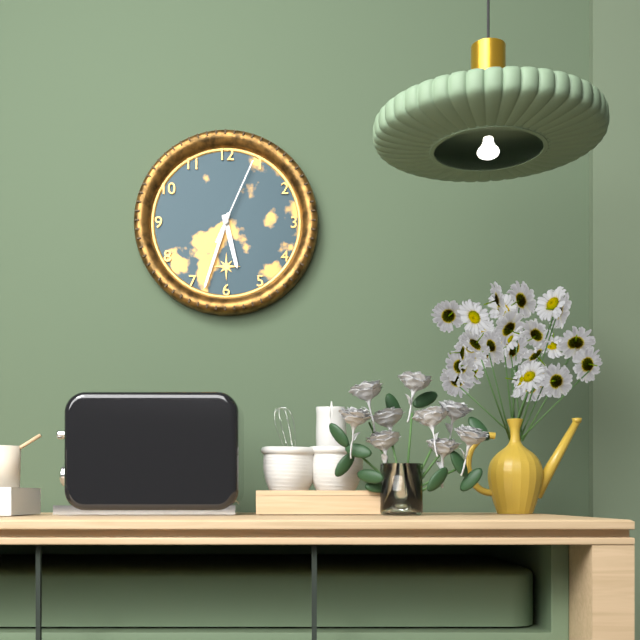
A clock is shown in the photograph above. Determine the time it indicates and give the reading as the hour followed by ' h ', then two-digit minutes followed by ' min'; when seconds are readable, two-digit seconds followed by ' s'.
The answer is 5 h 33 min 04 s
